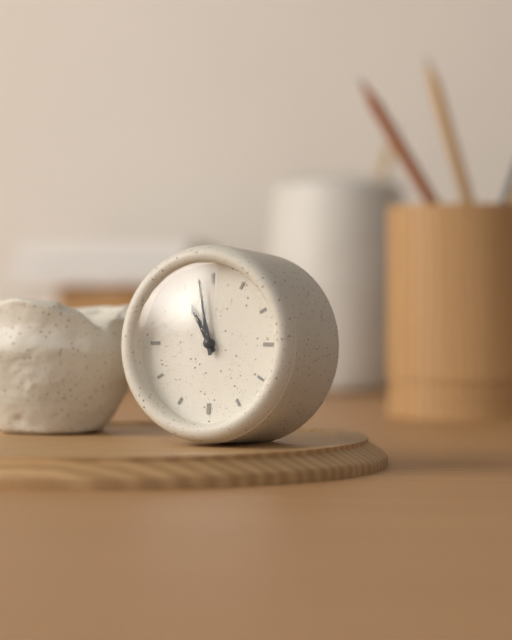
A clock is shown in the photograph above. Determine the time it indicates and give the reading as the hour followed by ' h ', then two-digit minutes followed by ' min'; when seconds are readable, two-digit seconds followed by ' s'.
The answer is 10 h 58 min
